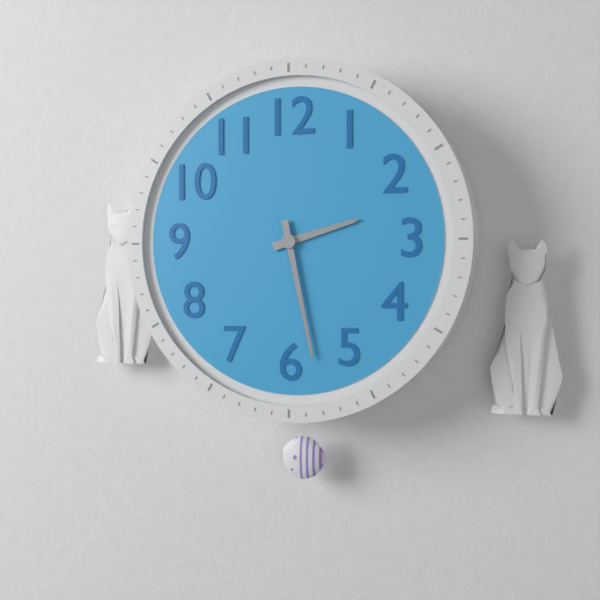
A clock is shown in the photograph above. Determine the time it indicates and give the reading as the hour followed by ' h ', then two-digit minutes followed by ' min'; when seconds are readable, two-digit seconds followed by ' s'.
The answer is 2 h 28 min
